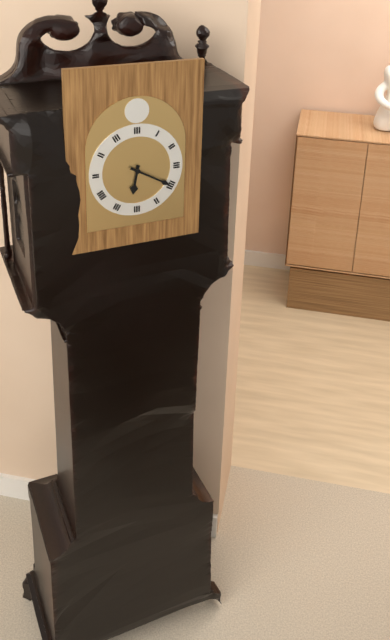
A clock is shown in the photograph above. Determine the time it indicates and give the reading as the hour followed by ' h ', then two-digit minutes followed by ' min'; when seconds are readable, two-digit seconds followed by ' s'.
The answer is 6 h 20 min
